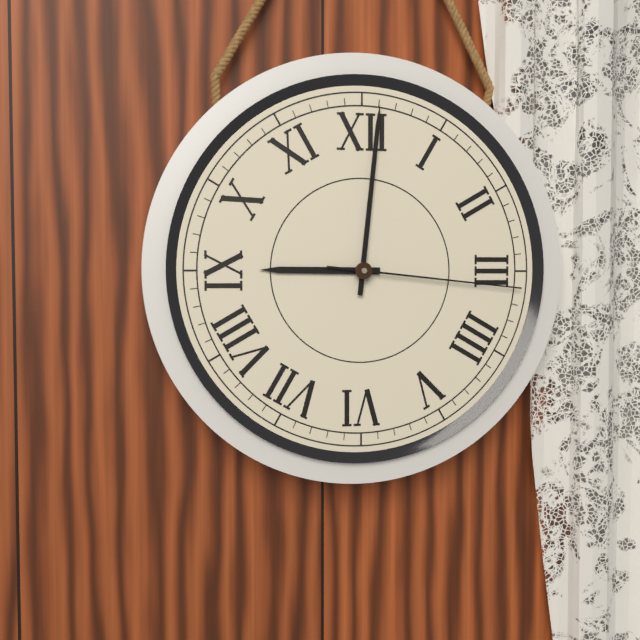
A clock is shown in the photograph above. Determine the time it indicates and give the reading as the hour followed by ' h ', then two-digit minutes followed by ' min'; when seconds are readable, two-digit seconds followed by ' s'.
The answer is 9 h 01 min 16 s
